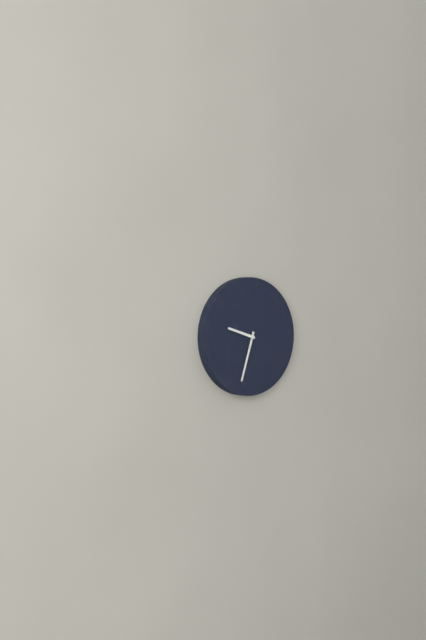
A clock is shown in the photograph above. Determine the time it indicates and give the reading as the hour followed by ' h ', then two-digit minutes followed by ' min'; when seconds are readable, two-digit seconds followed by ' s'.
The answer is 9 h 33 min
